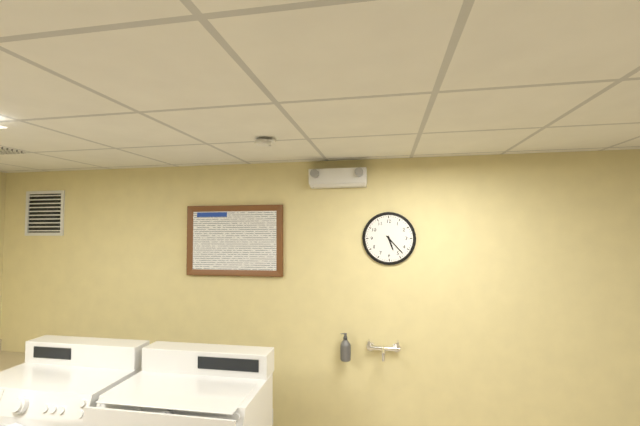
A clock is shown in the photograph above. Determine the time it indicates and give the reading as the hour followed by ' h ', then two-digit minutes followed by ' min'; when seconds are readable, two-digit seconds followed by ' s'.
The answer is 5 h 23 min
